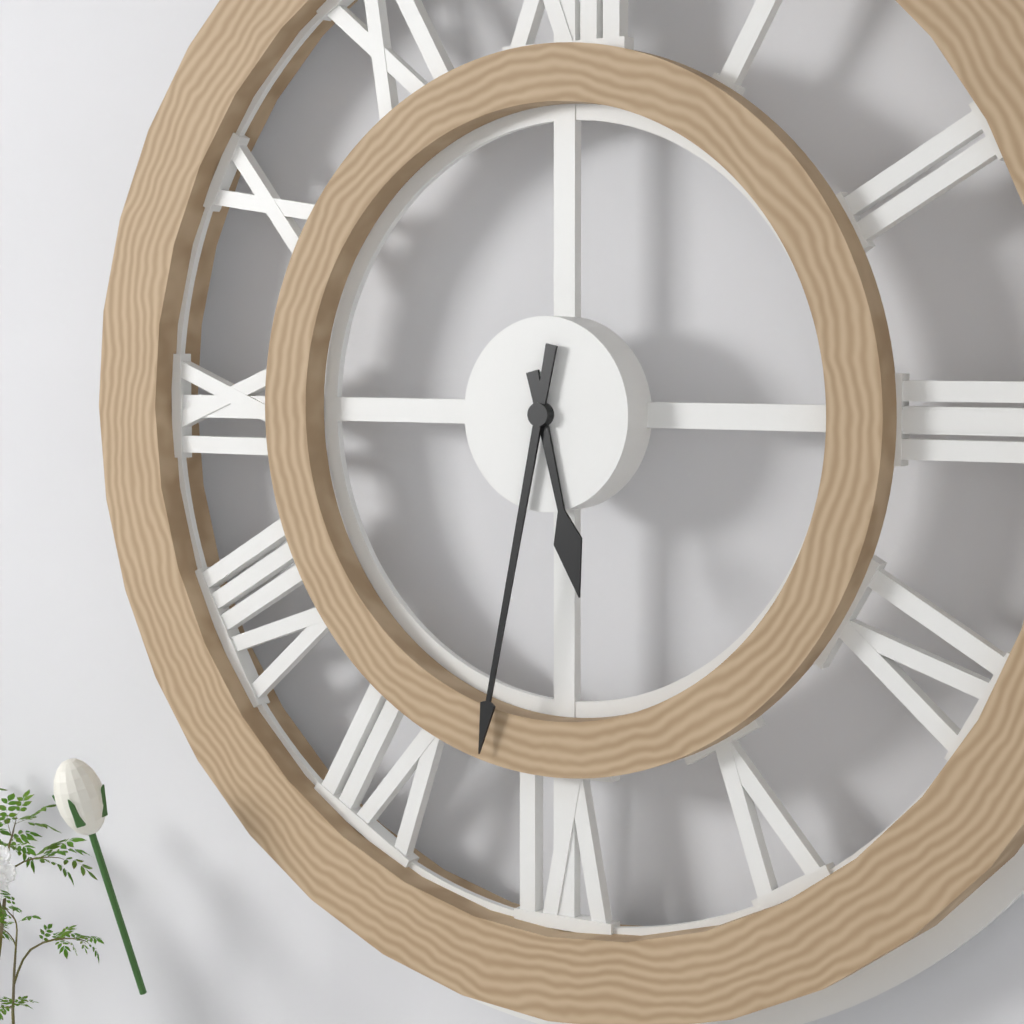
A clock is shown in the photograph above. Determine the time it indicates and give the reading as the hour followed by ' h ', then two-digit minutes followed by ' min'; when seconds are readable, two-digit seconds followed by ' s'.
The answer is 5 h 32 min
